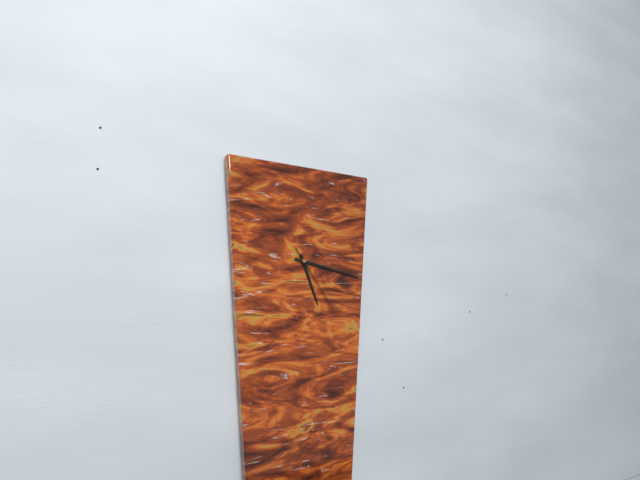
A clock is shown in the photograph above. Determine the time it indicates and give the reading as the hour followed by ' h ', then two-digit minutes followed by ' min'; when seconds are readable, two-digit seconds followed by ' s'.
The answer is 5 h 17 min 24 s
